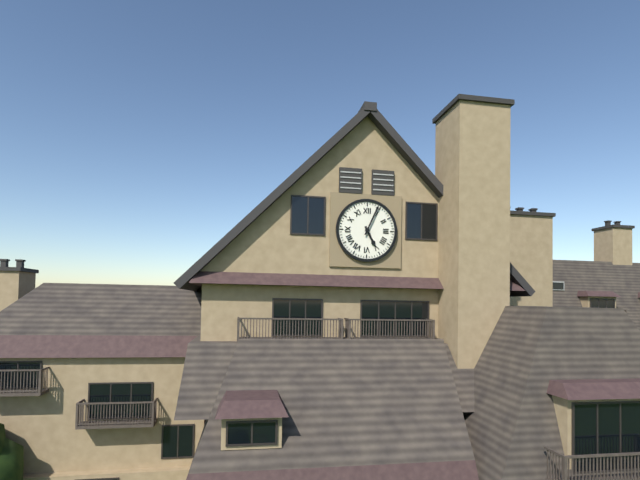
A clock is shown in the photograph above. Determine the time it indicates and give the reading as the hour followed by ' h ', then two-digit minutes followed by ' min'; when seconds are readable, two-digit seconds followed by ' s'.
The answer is 5 h 04 min
